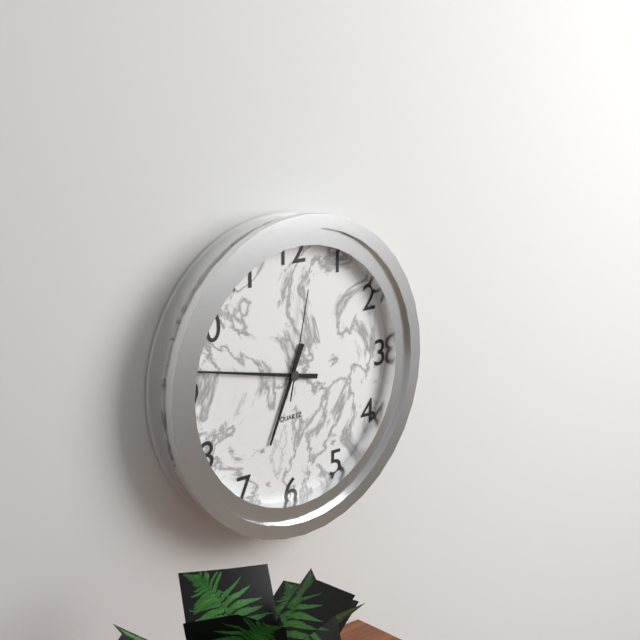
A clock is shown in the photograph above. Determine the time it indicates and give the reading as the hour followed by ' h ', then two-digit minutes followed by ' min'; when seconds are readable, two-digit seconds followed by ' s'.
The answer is 6 h 47 min 02 s
